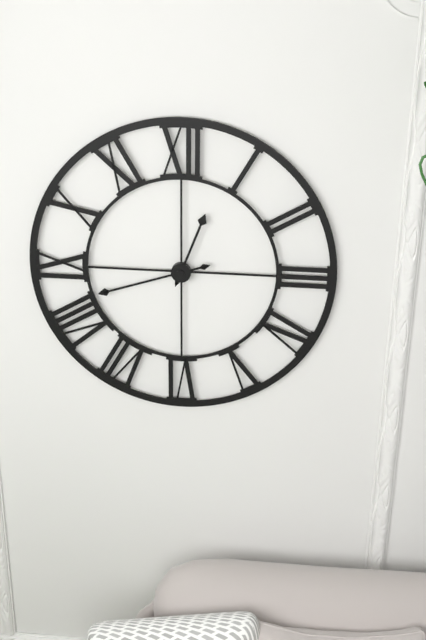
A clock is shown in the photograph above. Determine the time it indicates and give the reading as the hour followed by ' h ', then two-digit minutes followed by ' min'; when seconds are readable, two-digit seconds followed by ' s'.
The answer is 12 h 42 min
